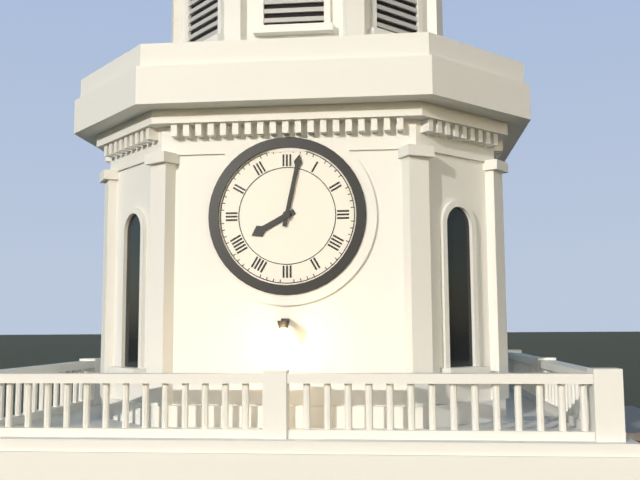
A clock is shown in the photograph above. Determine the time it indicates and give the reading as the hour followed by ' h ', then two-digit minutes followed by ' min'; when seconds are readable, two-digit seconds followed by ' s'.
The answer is 8 h 02 min
